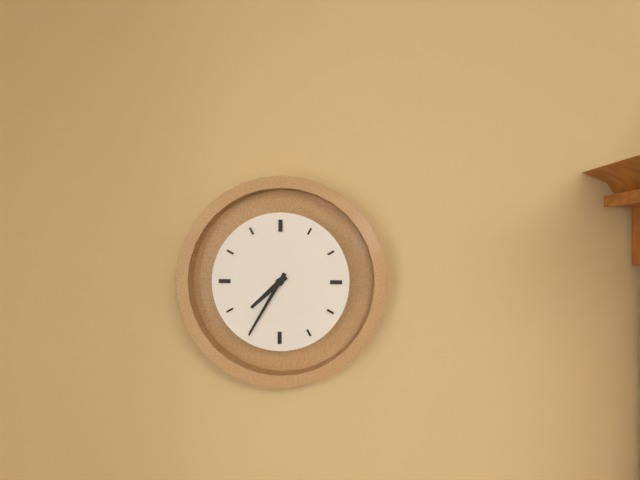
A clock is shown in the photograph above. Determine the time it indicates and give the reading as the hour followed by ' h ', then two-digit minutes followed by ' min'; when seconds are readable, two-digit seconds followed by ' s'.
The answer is 7 h 35 min
